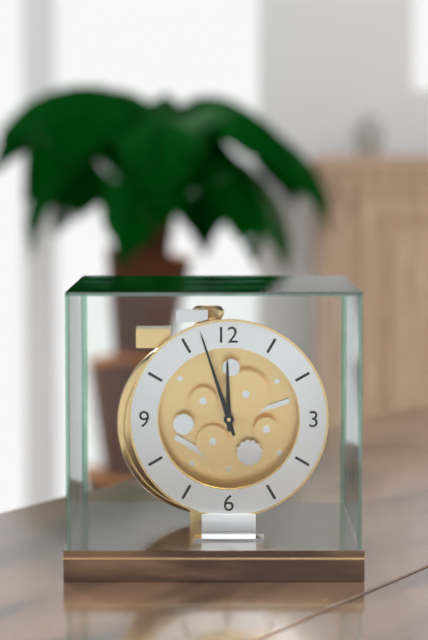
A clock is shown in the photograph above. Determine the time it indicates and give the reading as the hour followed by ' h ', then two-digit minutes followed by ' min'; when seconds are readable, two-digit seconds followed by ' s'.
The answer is 11 h 57 min
